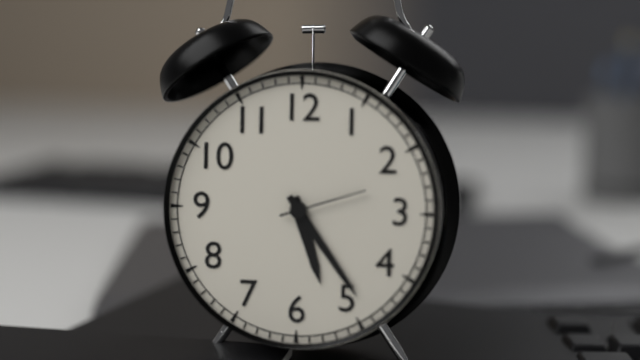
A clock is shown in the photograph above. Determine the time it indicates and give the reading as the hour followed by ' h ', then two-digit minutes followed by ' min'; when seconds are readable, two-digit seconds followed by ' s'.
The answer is 5 h 24 min 12 s
